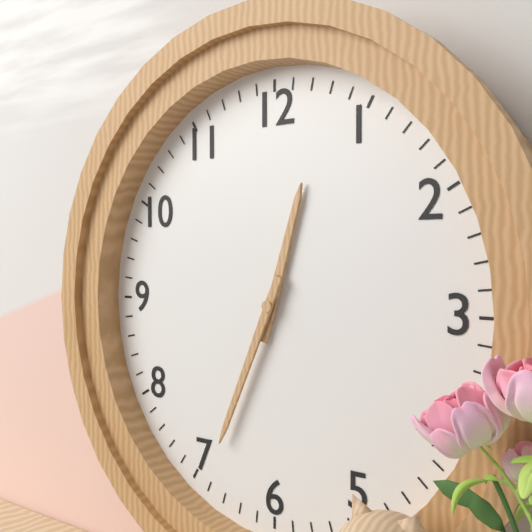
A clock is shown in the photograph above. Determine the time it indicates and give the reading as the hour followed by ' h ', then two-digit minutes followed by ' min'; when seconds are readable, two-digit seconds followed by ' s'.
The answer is 12 h 34 min
